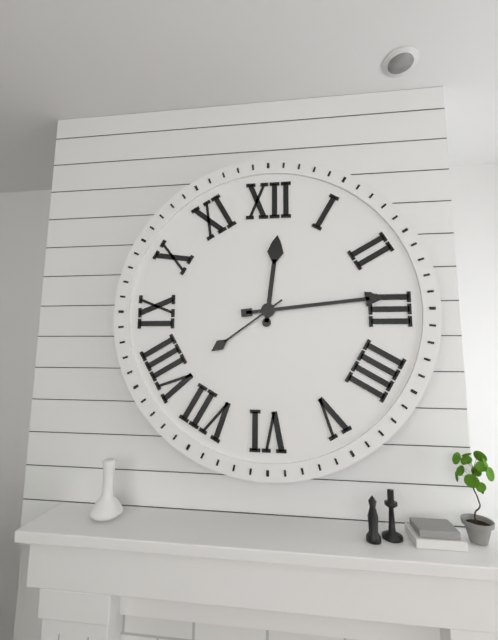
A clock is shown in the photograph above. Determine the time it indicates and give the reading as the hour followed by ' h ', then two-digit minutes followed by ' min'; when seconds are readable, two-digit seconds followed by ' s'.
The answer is 12 h 14 min 39 s
